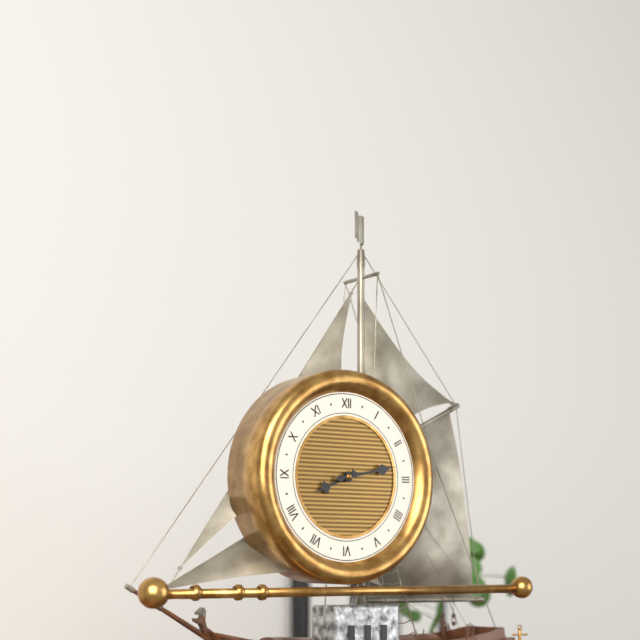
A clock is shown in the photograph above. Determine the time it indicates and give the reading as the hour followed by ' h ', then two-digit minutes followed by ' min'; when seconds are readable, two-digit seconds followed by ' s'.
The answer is 8 h 13 min
